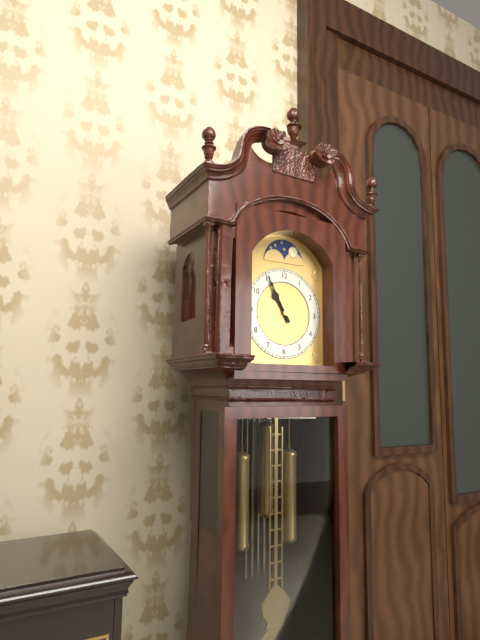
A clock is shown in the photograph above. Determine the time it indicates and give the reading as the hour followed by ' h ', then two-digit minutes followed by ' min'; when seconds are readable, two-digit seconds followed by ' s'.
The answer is 10 h 55 min
